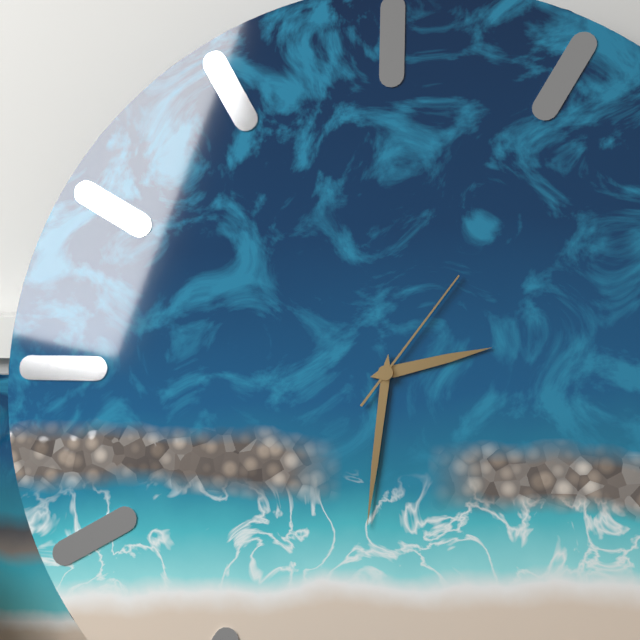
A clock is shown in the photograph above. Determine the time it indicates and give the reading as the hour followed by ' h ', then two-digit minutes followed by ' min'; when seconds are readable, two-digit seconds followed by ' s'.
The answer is 2 h 31 min 06 s
